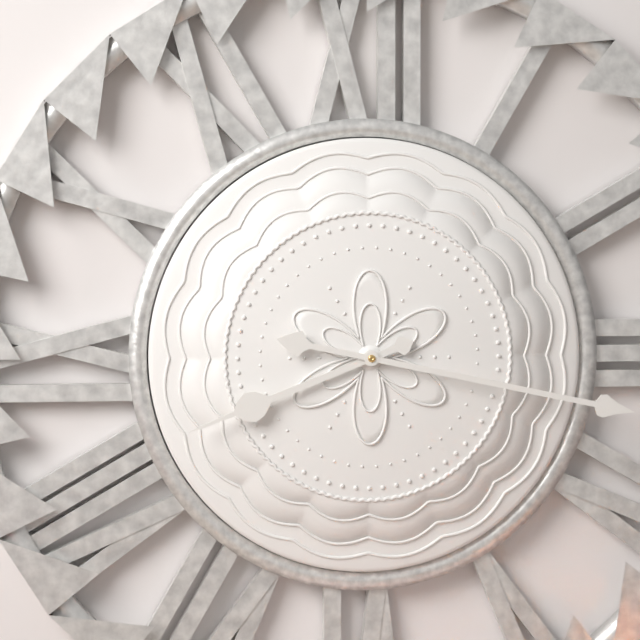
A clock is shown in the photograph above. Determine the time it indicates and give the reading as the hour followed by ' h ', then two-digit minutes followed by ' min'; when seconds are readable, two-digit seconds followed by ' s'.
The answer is 8 h 17 min
